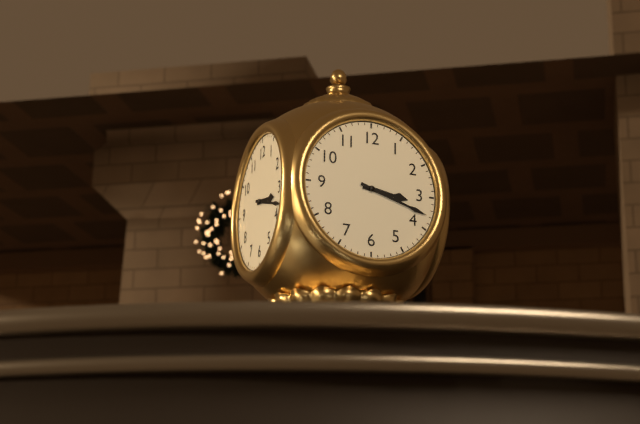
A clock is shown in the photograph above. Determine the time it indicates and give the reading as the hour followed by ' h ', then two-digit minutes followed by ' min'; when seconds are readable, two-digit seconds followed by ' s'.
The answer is 3 h 18 min
